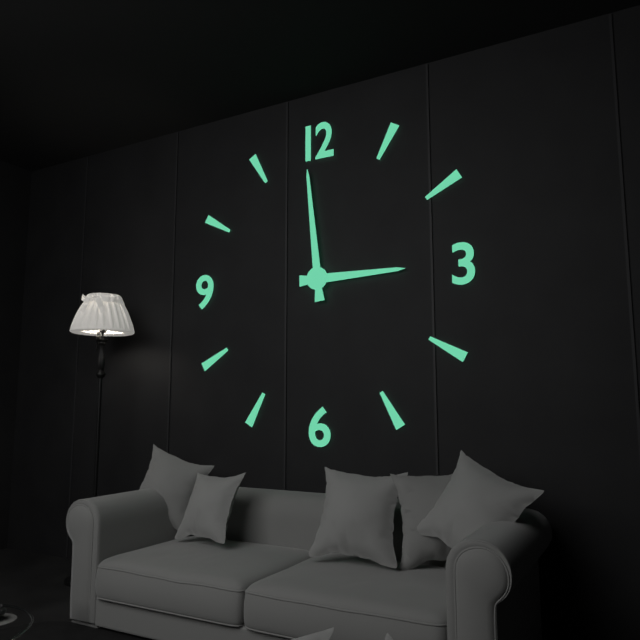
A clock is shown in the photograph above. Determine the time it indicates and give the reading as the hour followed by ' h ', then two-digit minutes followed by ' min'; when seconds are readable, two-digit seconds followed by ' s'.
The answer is 2 h 59 min
